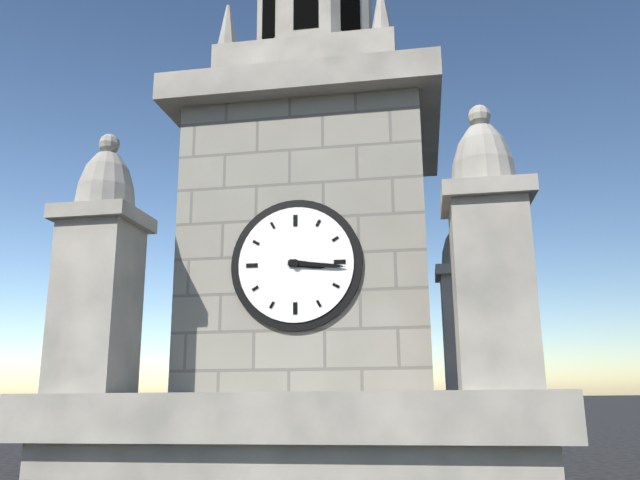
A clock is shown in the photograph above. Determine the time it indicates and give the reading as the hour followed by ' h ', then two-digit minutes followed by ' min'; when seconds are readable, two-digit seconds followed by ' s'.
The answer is 3 h 16 min
